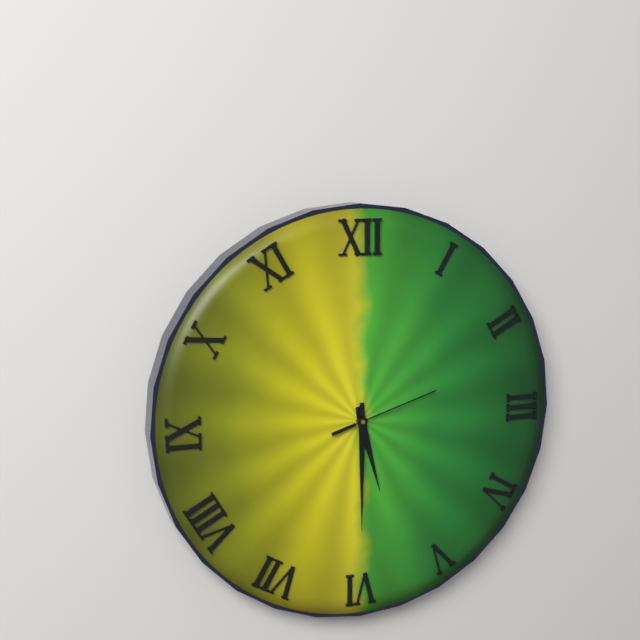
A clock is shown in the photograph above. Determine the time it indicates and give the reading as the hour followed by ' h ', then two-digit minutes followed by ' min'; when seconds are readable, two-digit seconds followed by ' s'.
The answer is 5 h 30 min 12 s
